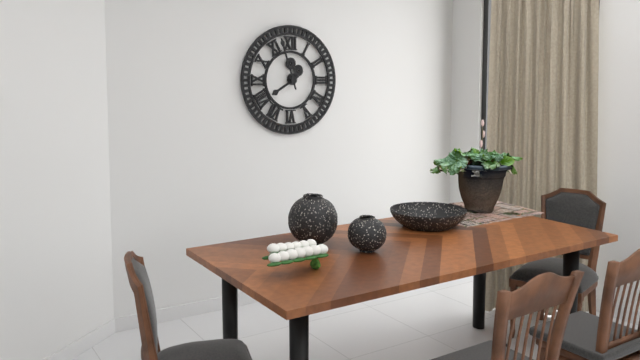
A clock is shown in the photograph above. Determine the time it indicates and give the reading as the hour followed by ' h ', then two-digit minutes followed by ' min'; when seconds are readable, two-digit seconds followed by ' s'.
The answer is 7 h 57 min
